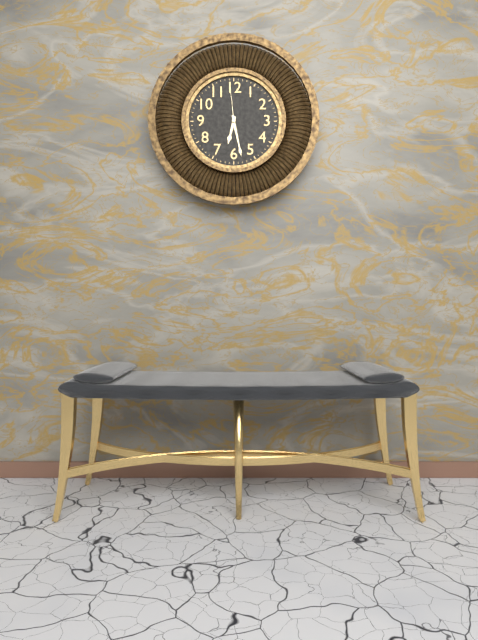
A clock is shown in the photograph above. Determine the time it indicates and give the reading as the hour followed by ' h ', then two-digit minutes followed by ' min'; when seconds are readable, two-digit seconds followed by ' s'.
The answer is 6 h 28 min
